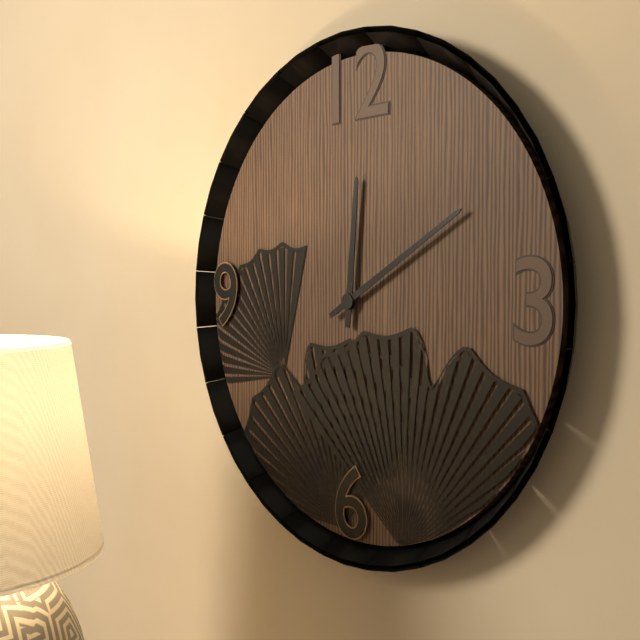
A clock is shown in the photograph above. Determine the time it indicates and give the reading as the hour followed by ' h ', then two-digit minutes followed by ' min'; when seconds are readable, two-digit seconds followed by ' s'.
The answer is 12 h 10 min
